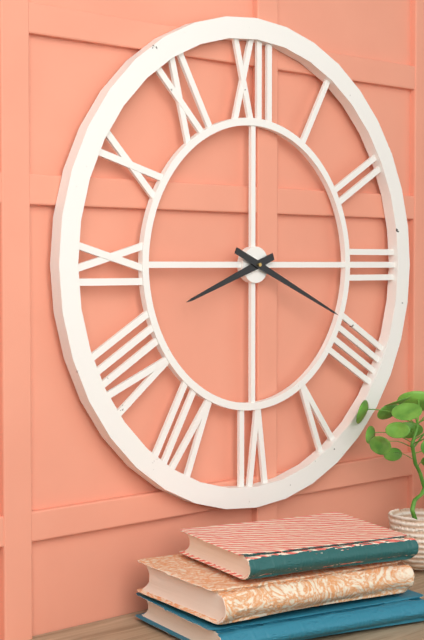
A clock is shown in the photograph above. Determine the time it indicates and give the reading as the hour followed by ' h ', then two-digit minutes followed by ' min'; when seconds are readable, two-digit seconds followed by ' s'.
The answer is 8 h 19 min
